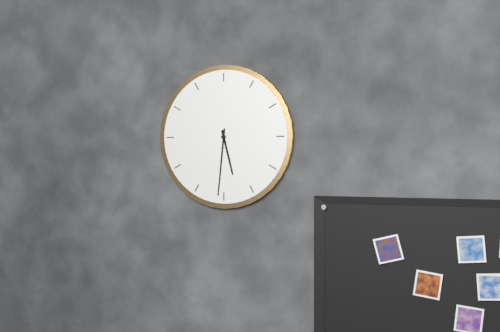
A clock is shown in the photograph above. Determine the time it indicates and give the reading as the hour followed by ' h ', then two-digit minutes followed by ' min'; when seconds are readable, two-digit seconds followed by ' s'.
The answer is 5 h 31 min
